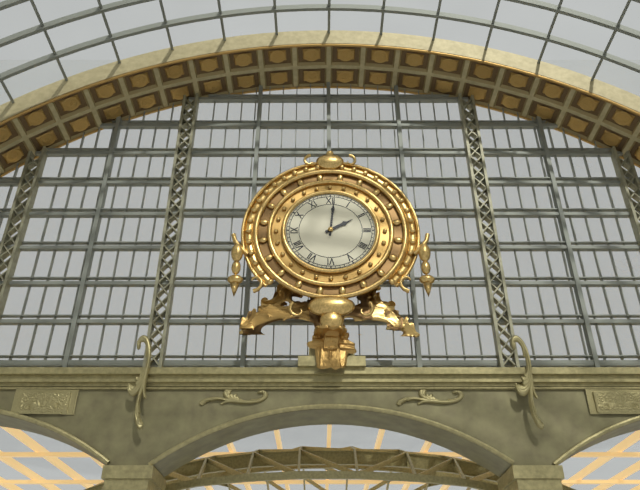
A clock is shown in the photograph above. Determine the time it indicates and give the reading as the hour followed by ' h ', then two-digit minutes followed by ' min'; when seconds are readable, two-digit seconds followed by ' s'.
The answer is 2 h 01 min
